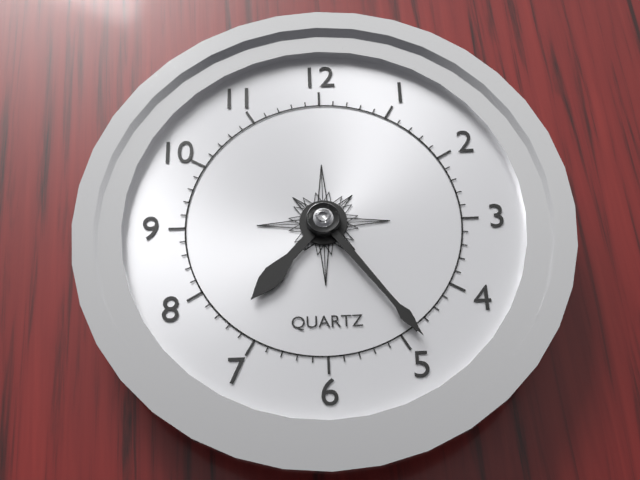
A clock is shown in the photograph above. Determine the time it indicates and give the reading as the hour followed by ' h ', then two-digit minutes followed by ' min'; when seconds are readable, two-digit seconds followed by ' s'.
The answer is 7 h 24 min
